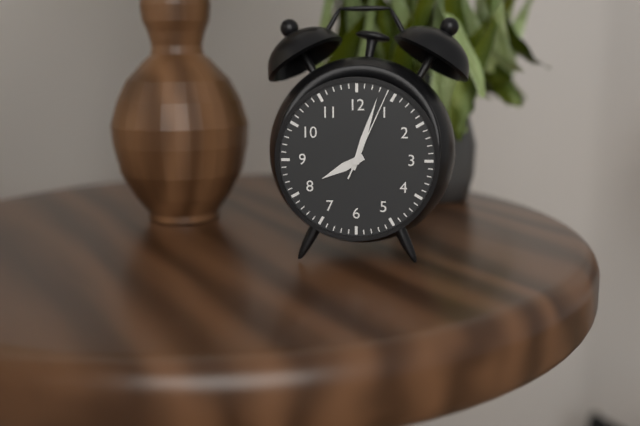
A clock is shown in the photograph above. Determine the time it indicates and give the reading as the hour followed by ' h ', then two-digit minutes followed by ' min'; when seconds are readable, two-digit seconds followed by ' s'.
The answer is 8 h 03 min 04 s
